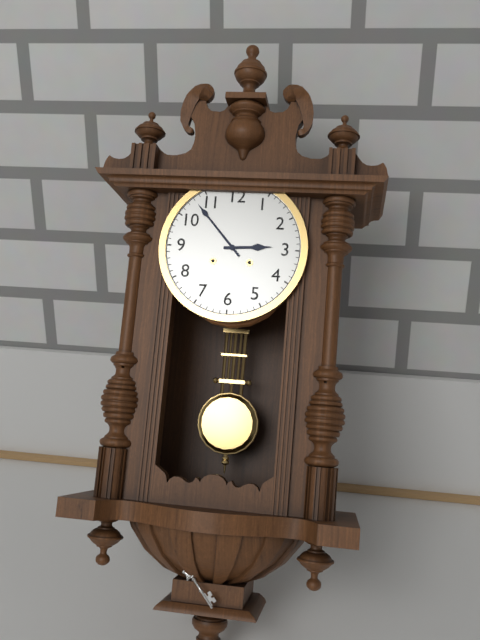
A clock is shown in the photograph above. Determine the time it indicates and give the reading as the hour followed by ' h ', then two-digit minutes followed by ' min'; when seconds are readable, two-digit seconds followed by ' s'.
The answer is 2 h 53 min
